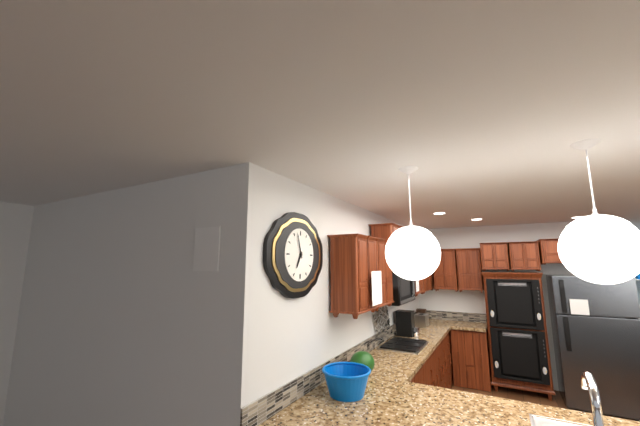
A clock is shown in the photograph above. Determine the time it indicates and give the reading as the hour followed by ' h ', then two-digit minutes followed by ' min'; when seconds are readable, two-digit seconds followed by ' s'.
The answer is 6 h 57 min
